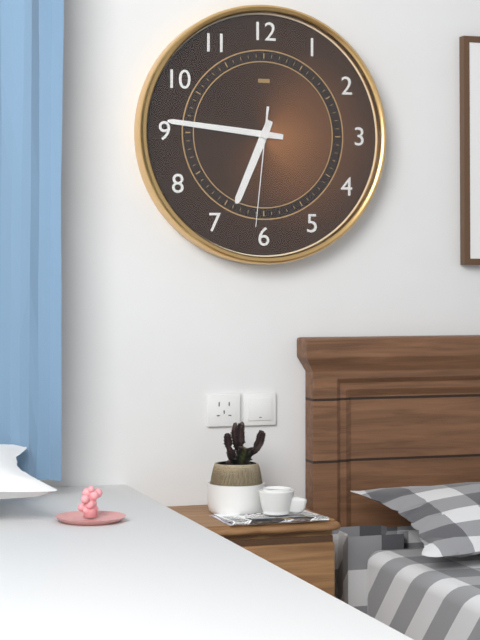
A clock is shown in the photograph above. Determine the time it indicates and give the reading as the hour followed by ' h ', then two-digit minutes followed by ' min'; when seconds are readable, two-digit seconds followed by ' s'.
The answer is 6 h 46 min 31 s
